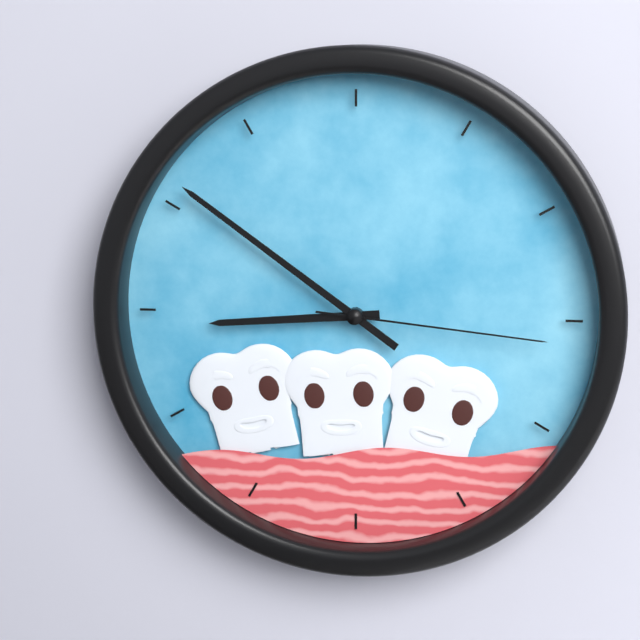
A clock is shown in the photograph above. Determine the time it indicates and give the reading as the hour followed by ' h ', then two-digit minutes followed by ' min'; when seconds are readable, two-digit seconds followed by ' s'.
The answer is 8 h 51 min 16 s
